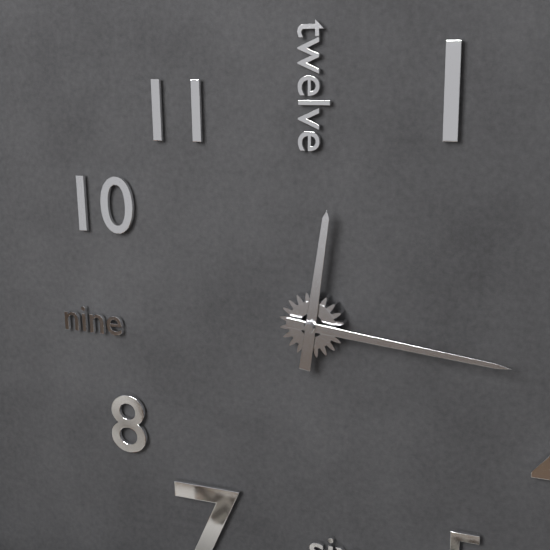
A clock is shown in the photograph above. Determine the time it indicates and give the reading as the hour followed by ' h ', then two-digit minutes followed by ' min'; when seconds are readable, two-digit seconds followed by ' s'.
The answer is 12 h 16 min
